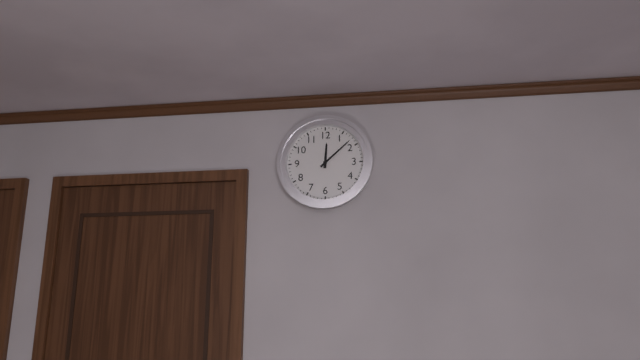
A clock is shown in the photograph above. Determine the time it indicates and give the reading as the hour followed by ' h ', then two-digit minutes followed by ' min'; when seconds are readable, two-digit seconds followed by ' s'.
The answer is 12 h 08 min
